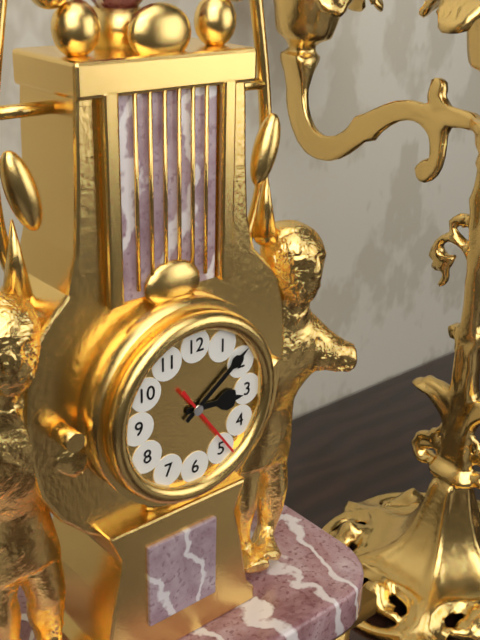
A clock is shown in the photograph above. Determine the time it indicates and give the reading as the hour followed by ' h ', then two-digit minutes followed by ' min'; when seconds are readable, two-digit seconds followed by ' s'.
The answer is 3 h 09 min 24 s
